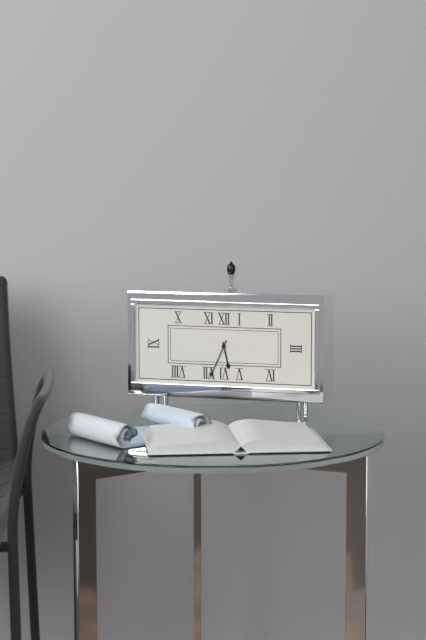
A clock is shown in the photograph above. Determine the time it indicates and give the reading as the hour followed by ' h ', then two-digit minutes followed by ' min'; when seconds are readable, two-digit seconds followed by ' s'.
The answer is 5 h 34 min
